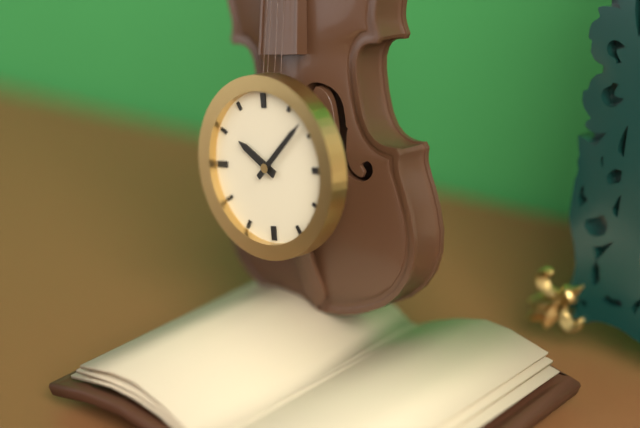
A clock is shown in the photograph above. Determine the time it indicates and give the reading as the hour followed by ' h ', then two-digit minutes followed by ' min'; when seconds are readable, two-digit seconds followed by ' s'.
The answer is 10 h 08 min
